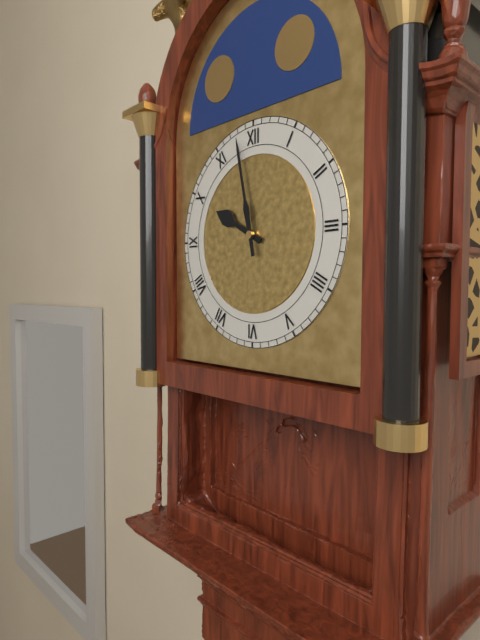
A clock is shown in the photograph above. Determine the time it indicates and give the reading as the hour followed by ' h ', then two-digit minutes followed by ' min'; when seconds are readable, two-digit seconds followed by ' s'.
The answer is 9 h 58 min
